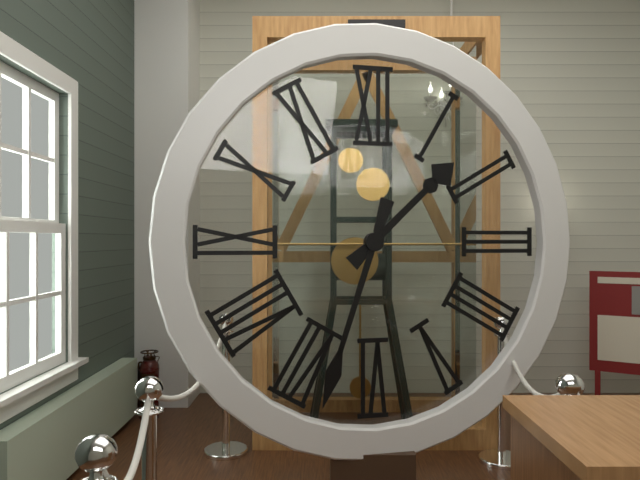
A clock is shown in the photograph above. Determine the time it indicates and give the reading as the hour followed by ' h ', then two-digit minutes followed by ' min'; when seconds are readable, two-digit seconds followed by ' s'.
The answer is 1 h 33 min
